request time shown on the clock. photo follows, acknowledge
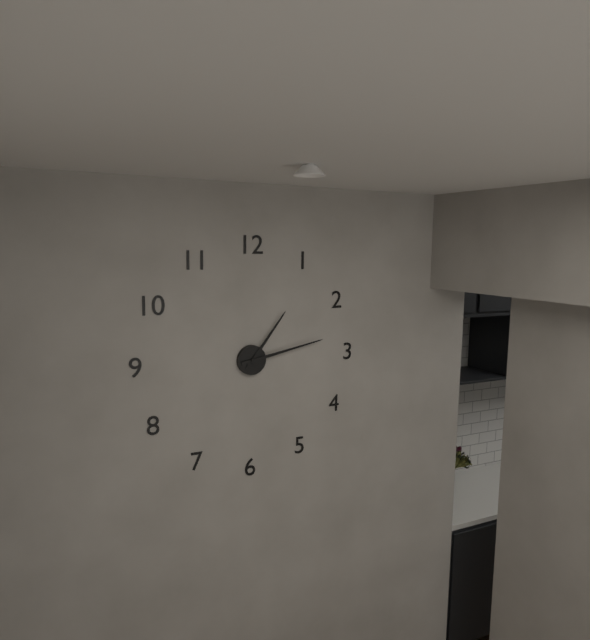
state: 1:13
